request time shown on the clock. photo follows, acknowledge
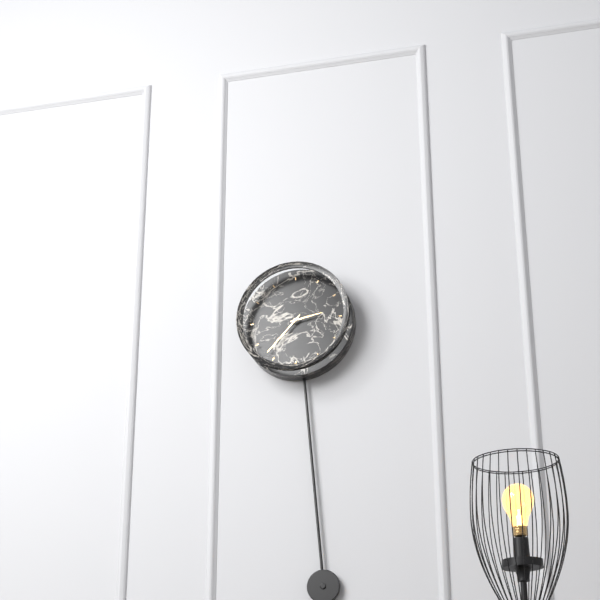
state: 2:37
